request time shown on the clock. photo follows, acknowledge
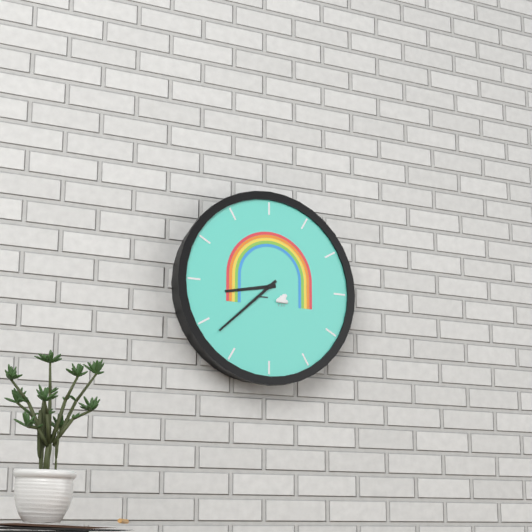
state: 8:38
